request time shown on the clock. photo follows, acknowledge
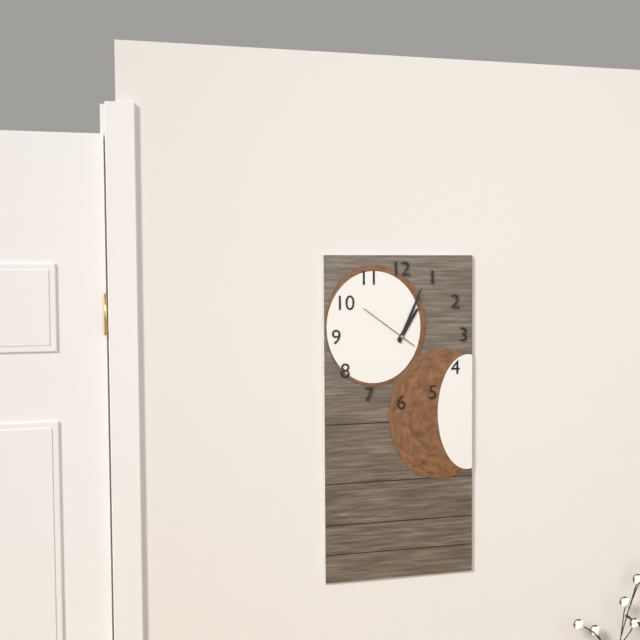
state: 1:04:51
